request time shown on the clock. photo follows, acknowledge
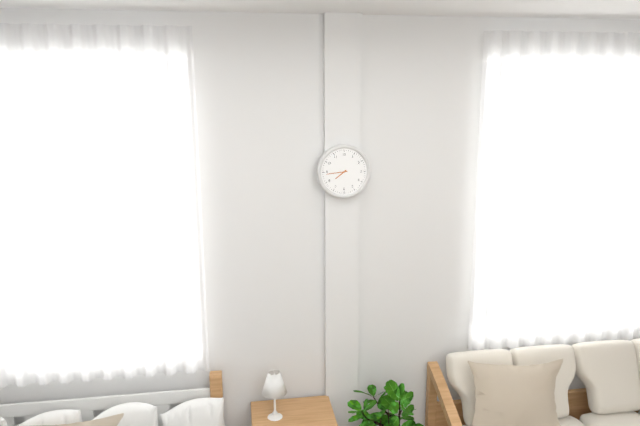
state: 7:44
